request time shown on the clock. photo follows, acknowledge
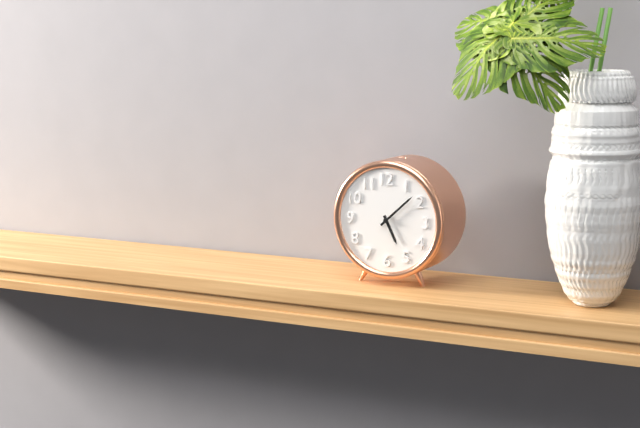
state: 5:08
